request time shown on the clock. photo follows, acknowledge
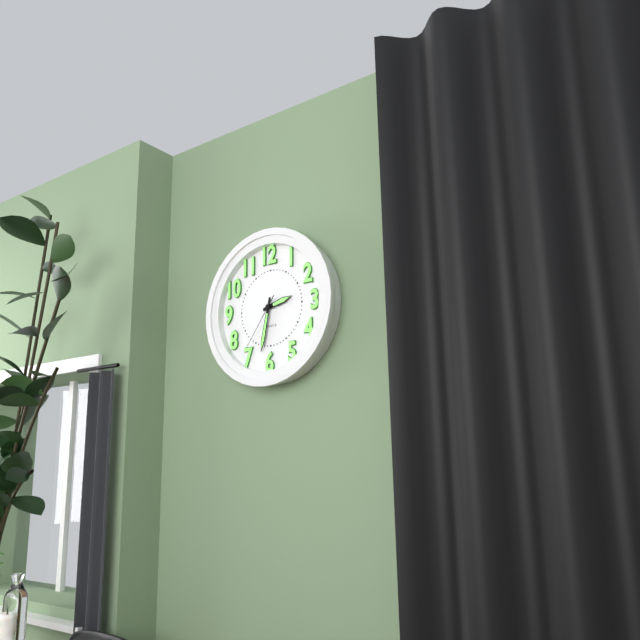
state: 2:32:36
